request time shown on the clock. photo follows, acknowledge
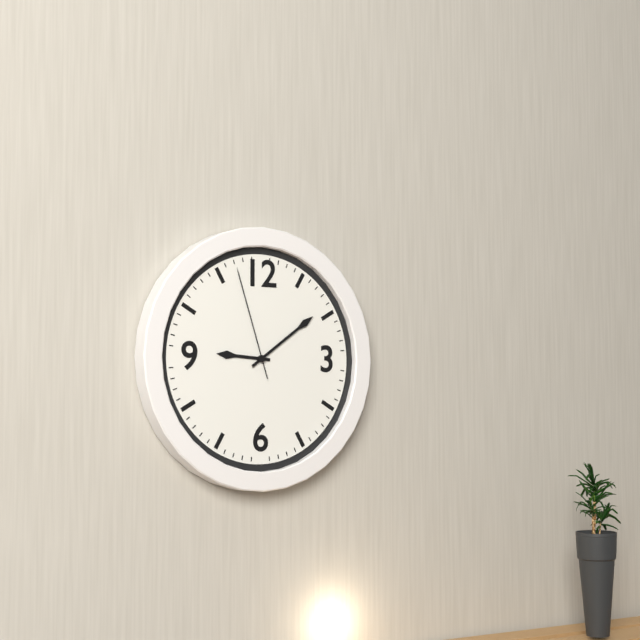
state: 9:09:57
